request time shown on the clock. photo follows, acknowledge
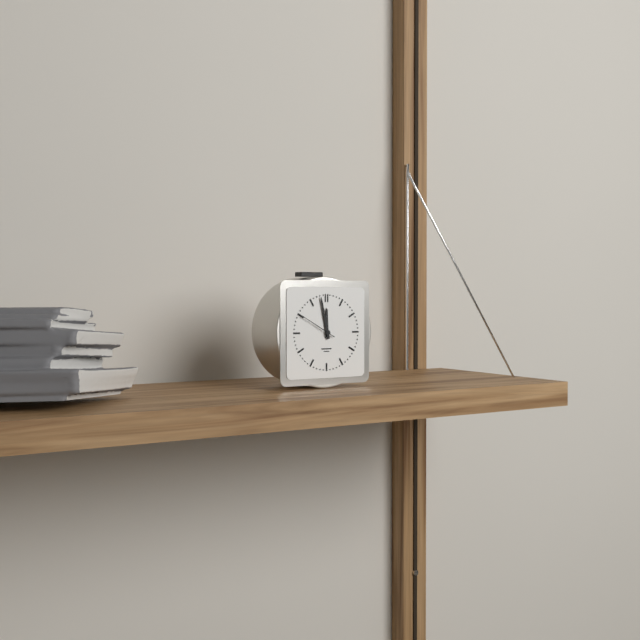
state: 11:58
